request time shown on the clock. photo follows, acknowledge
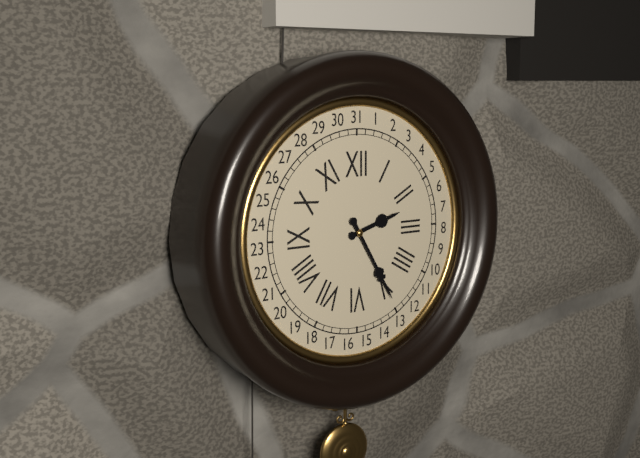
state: 2:25
